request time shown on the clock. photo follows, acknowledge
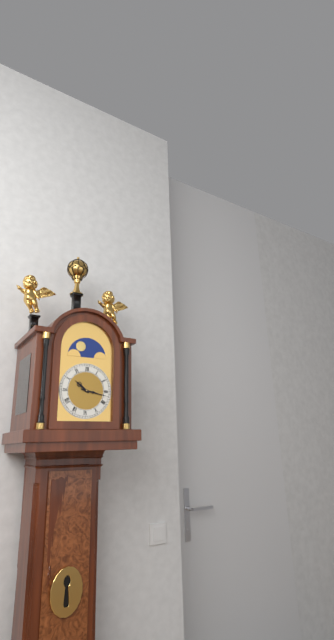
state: 10:17
